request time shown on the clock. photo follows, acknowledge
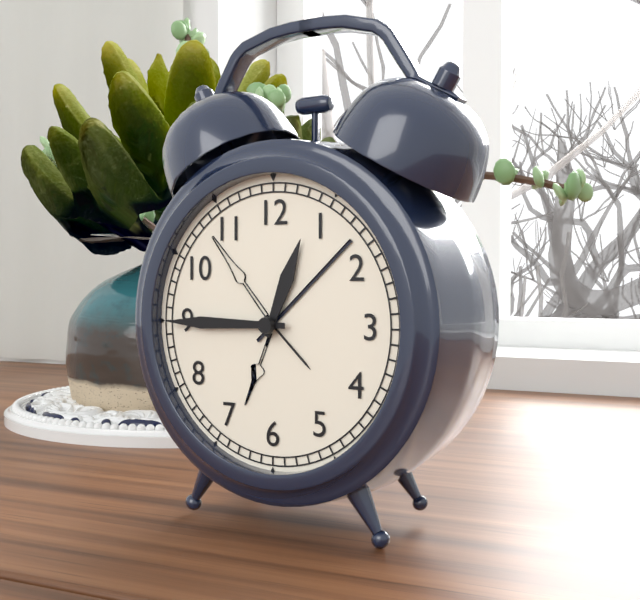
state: 12:45
